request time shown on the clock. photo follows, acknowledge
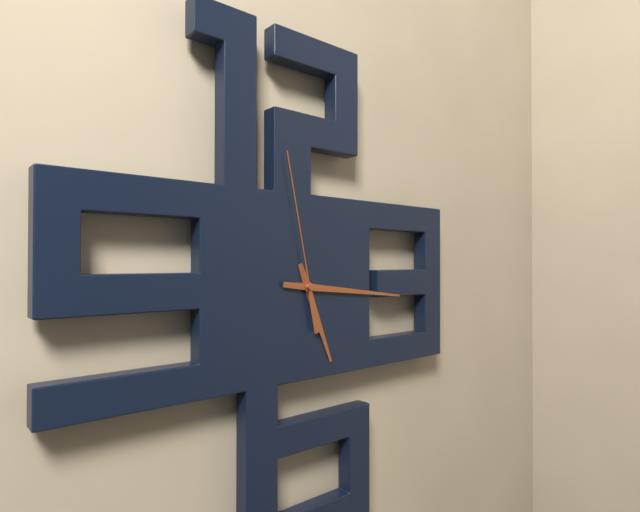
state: 5:16:58
